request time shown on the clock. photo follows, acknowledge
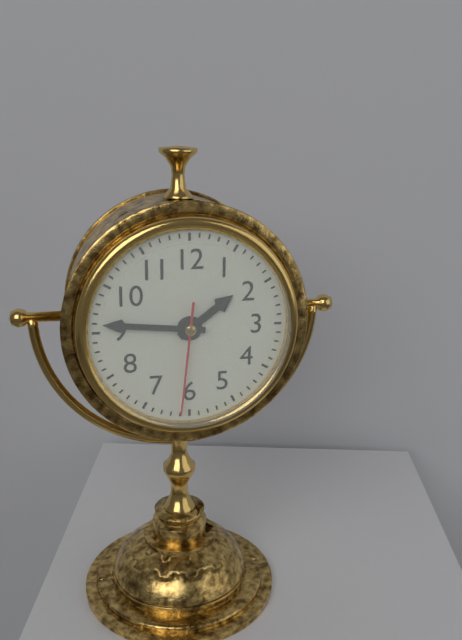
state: 1:46:31
